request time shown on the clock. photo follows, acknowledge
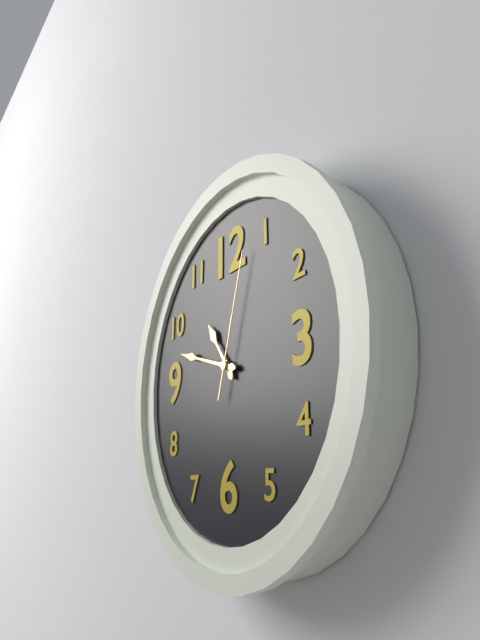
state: 10:48:03
